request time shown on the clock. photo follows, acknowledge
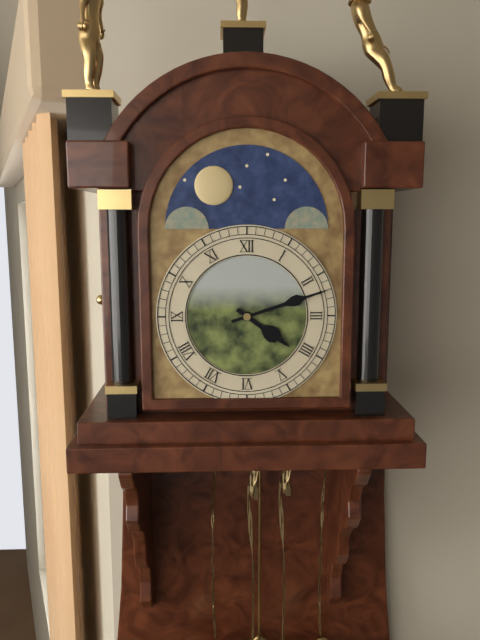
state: 4:12
